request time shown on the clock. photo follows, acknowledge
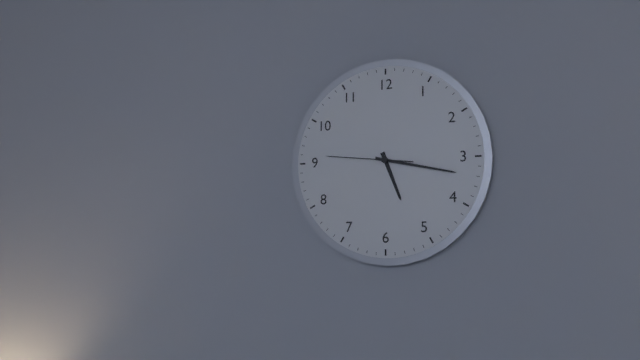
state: 5:17:46
